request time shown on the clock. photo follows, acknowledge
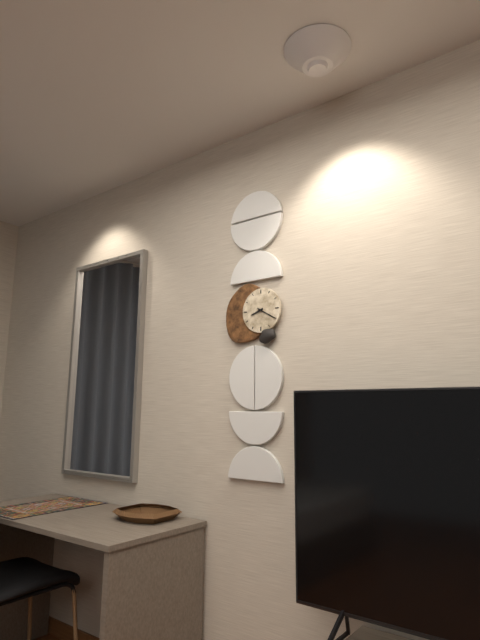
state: 8:20
